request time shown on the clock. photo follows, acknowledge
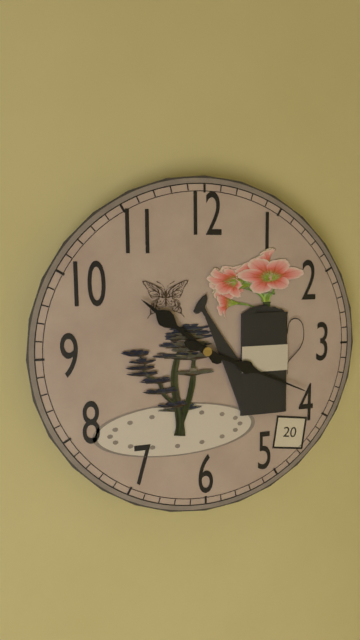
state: 10:19
